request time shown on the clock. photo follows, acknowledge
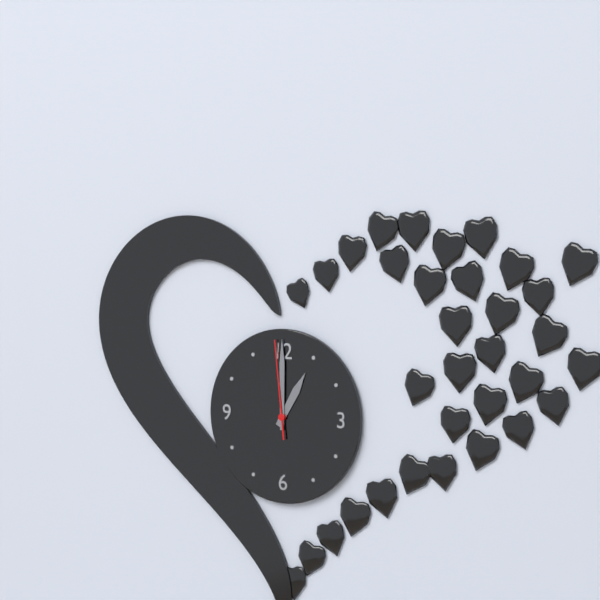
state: 1:00:59
